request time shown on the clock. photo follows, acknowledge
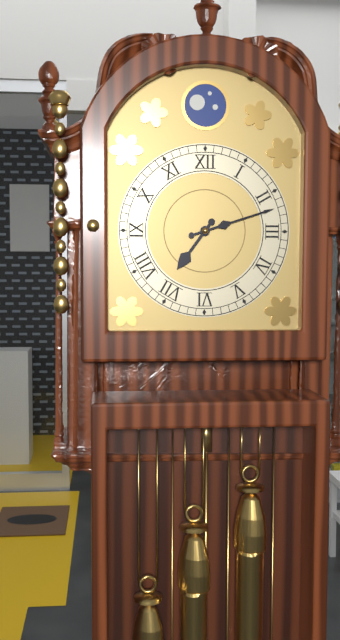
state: 7:12
